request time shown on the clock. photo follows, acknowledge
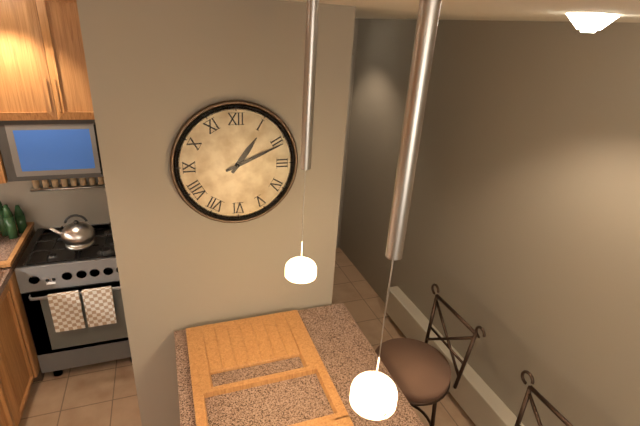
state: 1:11
